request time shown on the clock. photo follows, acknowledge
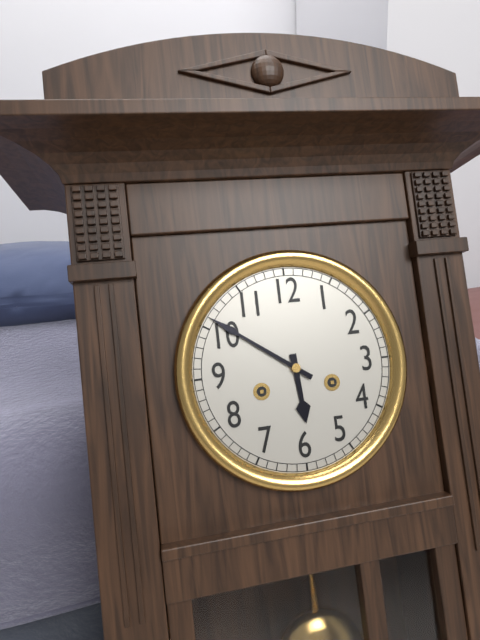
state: 5:51
